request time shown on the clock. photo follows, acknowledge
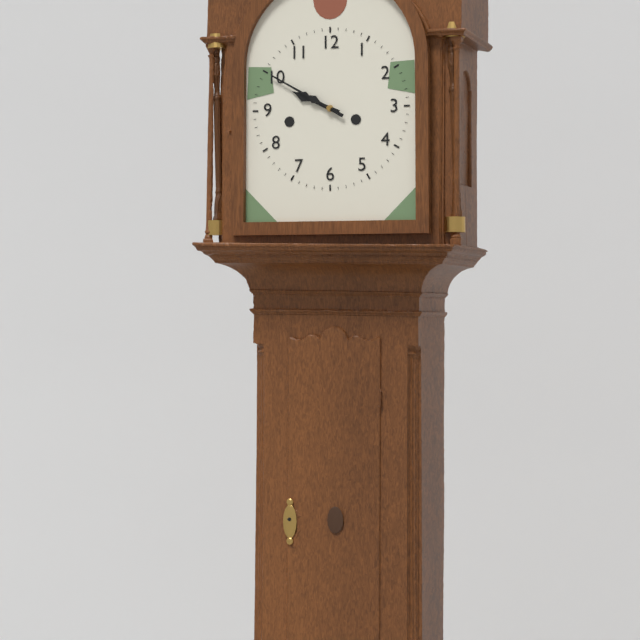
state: 9:50
